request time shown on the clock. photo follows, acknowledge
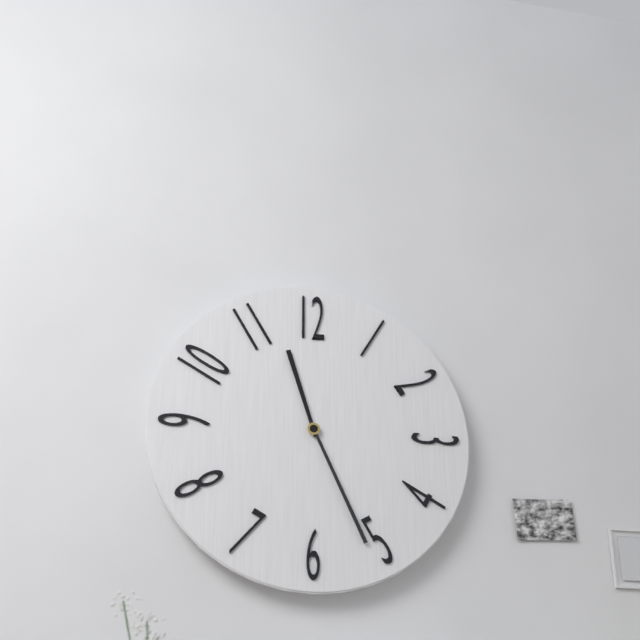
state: 11:26
